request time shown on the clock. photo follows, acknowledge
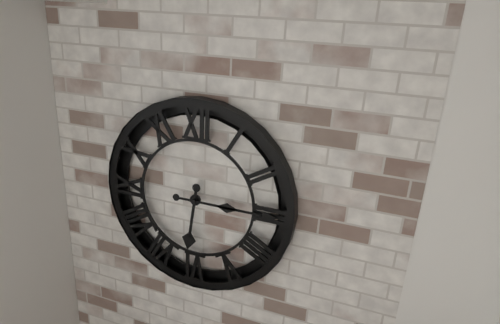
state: 6:15
